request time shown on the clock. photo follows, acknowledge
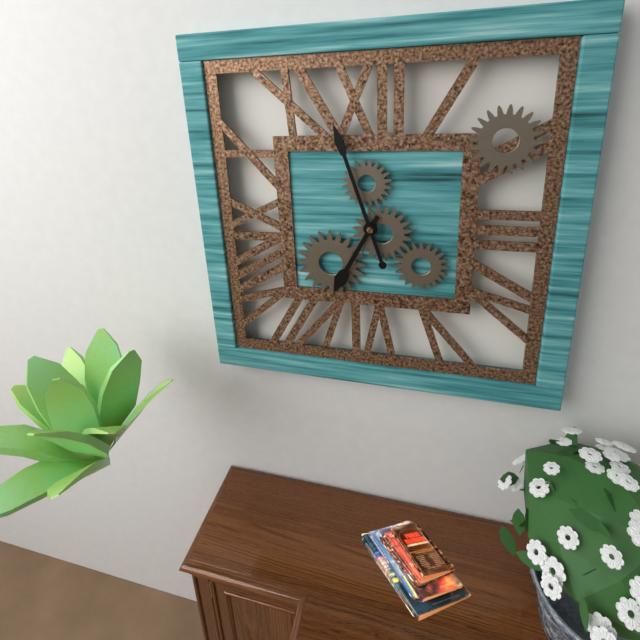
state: 6:57
